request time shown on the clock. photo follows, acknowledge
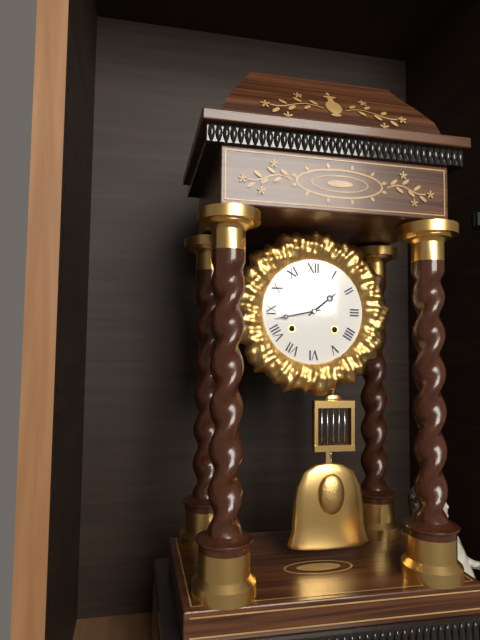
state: 1:43
